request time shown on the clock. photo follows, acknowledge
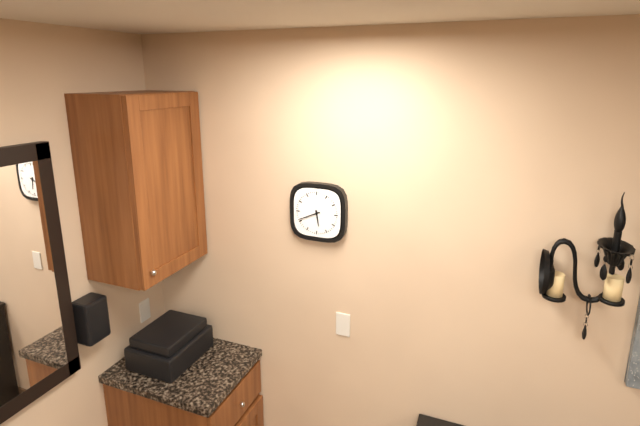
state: 5:41
